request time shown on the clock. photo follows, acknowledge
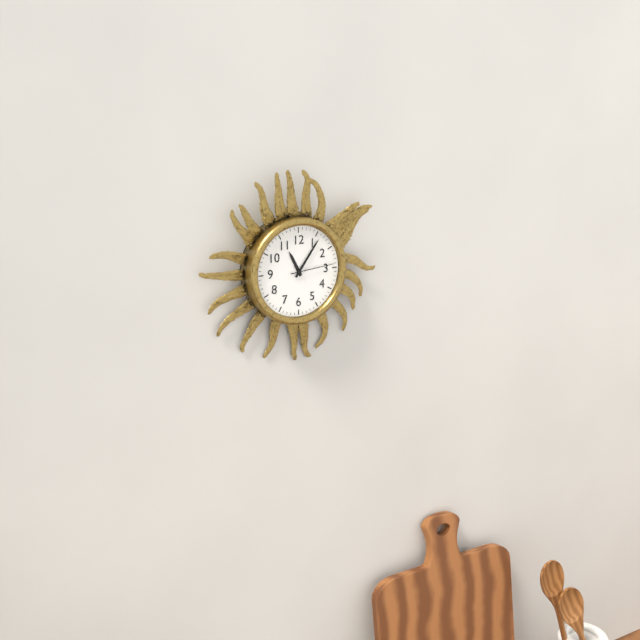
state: 11:06
